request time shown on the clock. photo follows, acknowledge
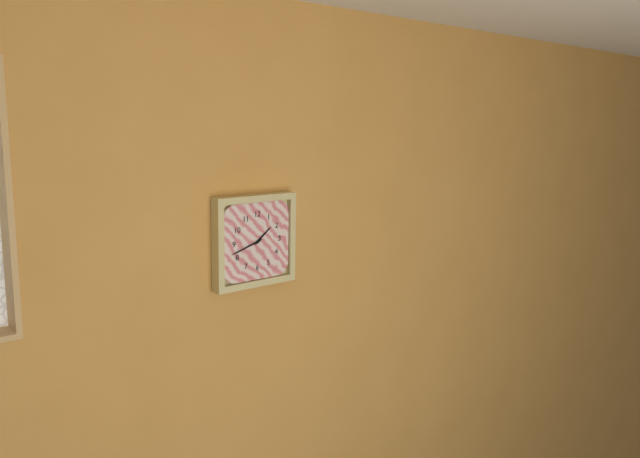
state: 1:42
